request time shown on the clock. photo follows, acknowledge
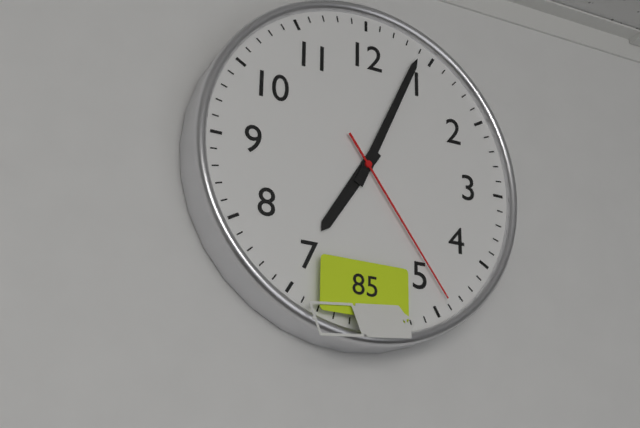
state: 7:04:24
